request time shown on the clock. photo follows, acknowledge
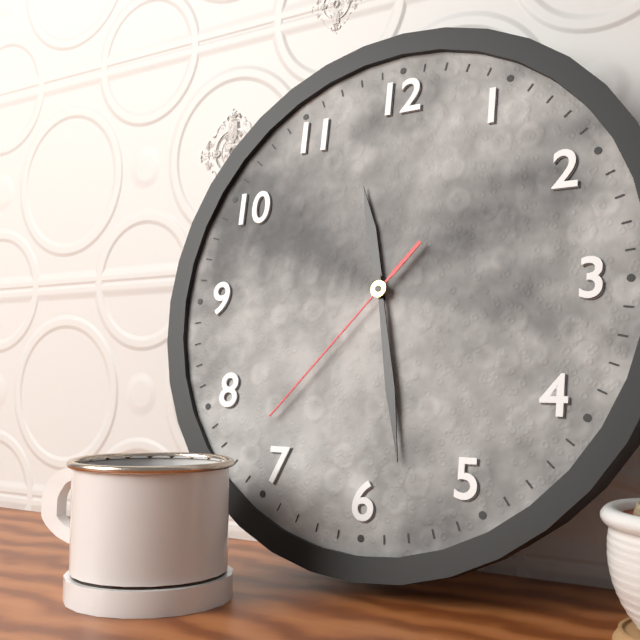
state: 11:28:37
